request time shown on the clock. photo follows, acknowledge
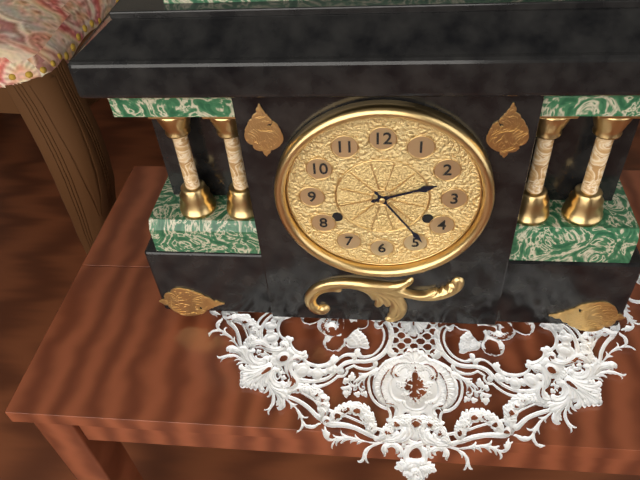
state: 2:24
